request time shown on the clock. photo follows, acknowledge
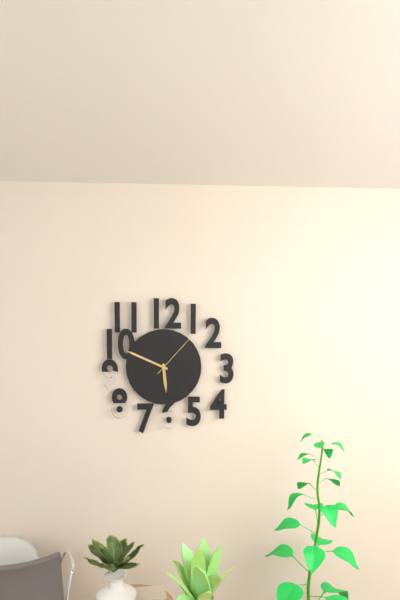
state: 5:49:07
